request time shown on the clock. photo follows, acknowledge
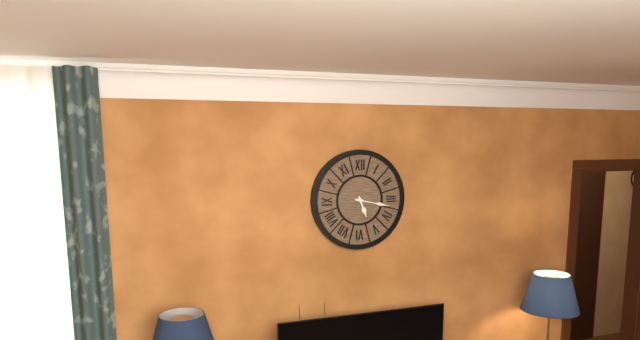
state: 5:17
